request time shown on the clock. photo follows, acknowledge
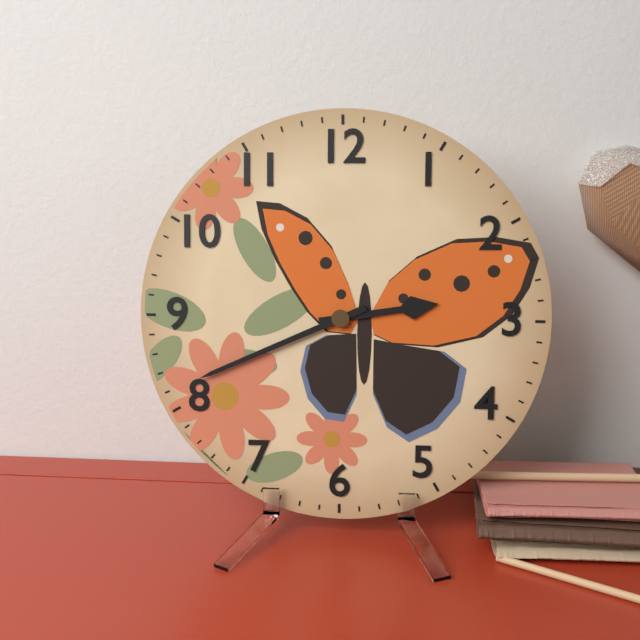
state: 2:41
